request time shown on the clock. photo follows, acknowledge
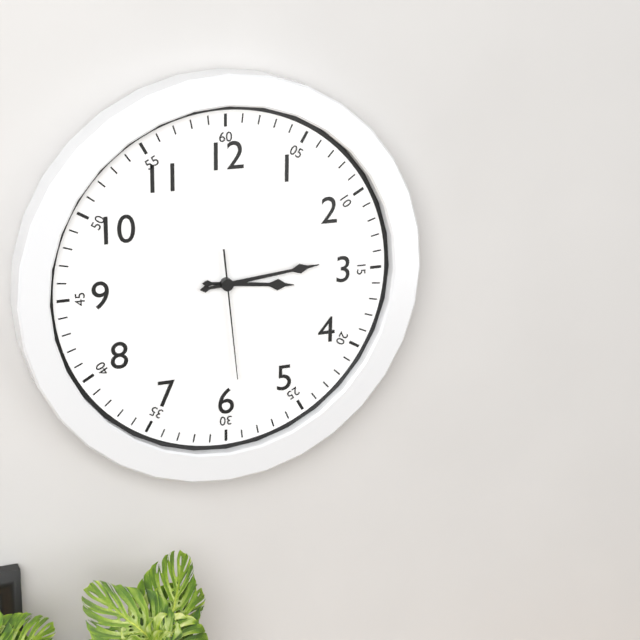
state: 3:14:29
